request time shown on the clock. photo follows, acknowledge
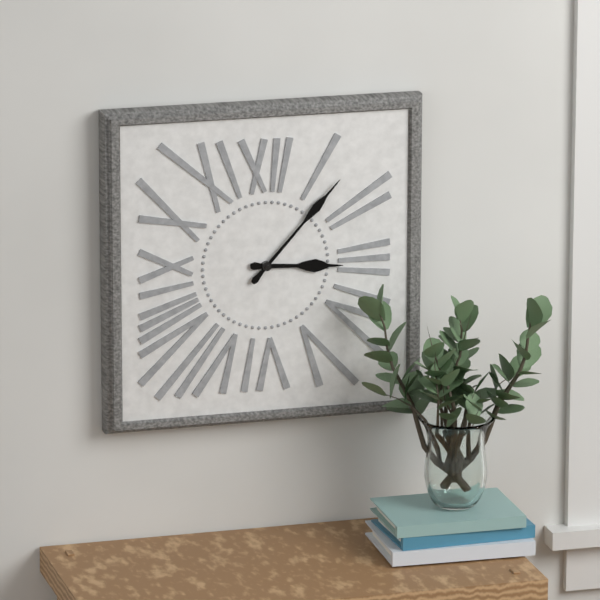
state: 3:07
